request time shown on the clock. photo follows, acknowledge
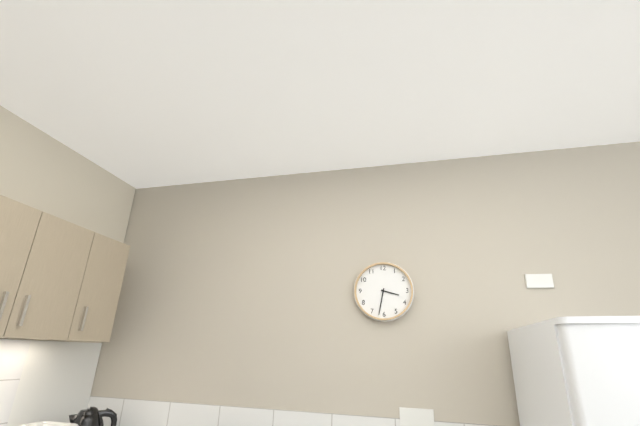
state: 3:32
